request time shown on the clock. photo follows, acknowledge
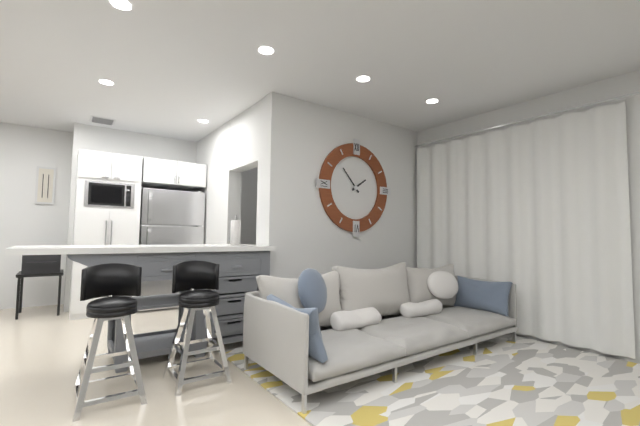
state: 1:53
